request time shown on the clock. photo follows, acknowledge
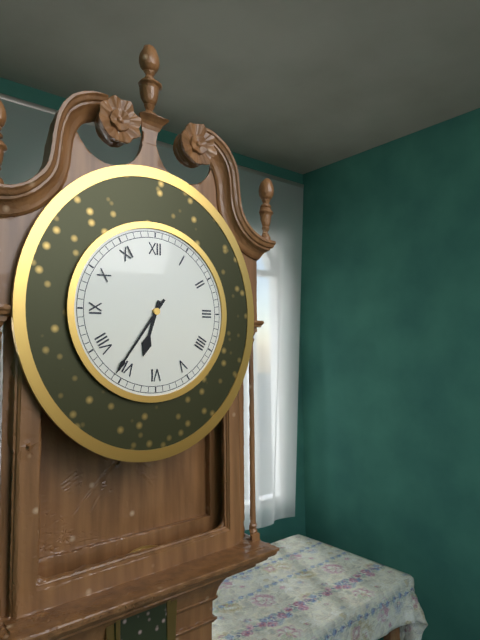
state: 6:36
